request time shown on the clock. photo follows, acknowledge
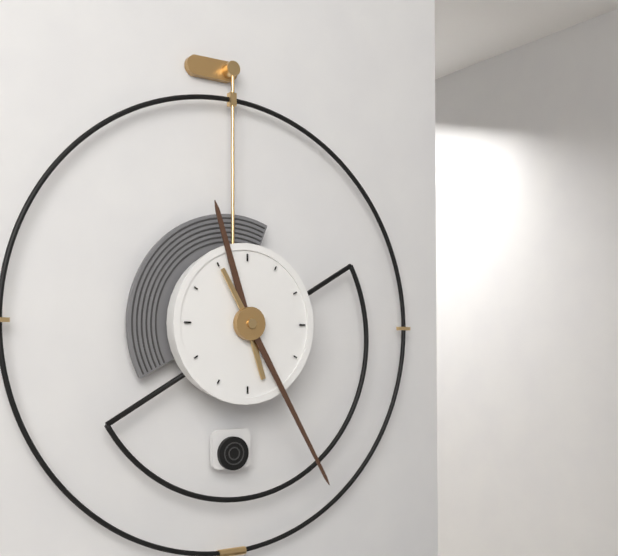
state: 11:25
